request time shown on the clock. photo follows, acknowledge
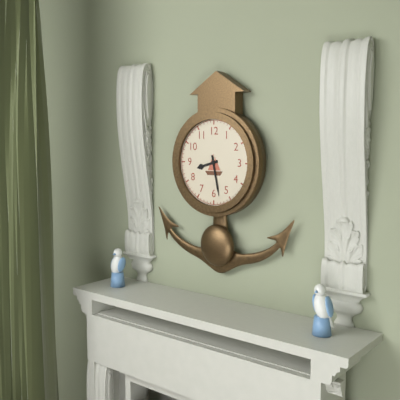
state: 8:28
